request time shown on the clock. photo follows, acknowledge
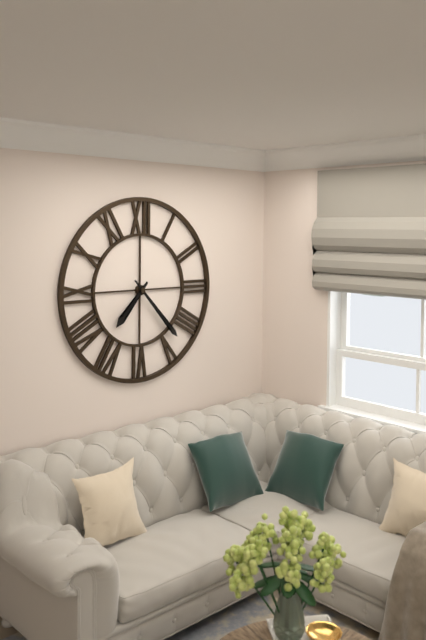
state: 7:23
